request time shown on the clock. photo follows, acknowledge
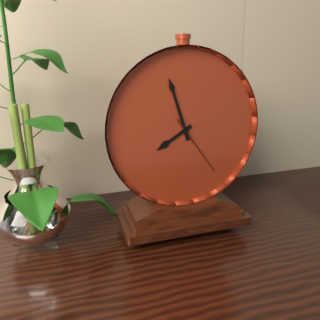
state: 7:57:24
